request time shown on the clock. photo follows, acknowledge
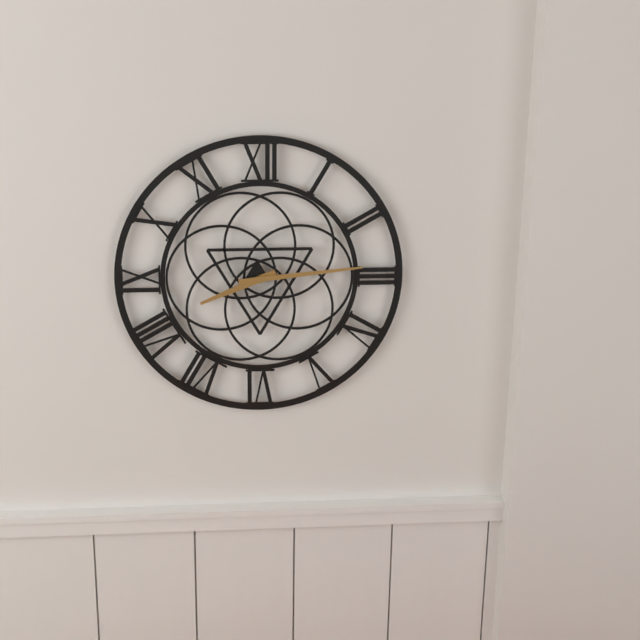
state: 8:14
